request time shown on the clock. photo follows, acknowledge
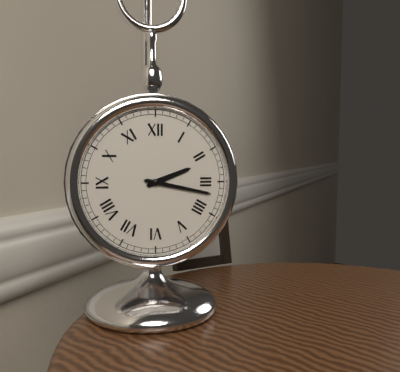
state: 2:17
